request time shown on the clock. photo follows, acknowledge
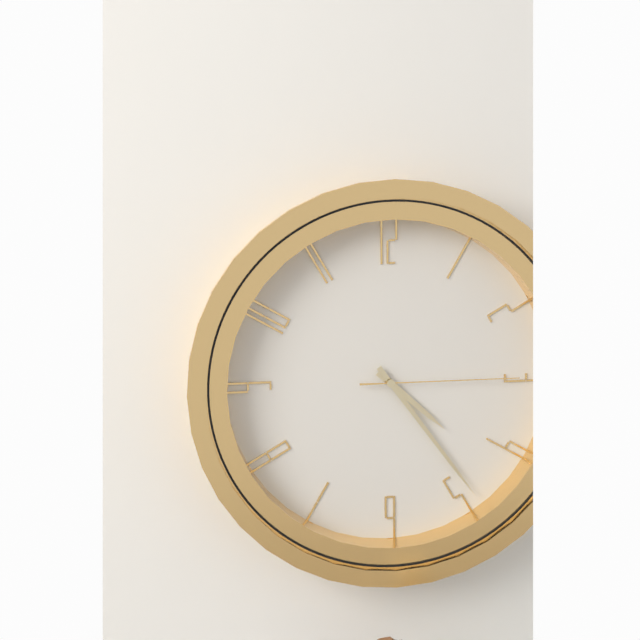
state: 4:24:15
